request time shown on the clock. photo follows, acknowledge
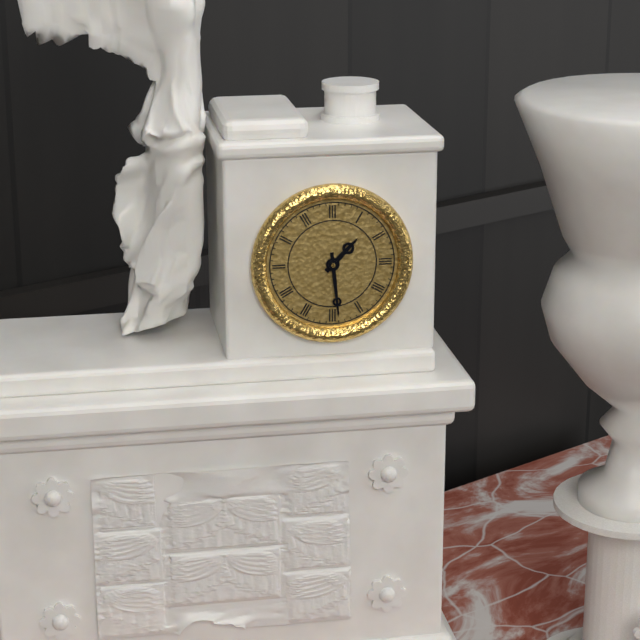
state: 1:29
